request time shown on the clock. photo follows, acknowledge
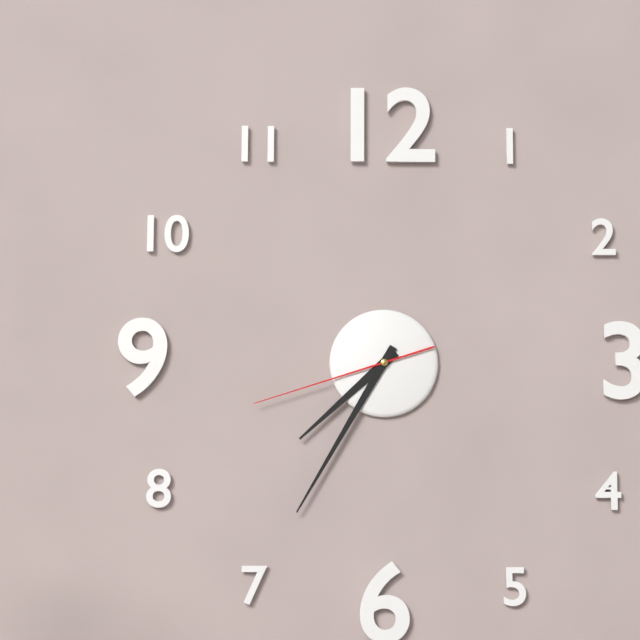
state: 7:35:42
